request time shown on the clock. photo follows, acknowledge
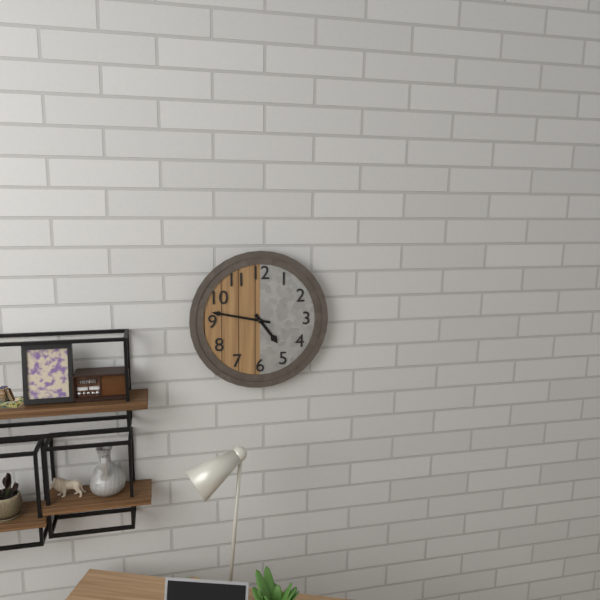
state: 4:47
